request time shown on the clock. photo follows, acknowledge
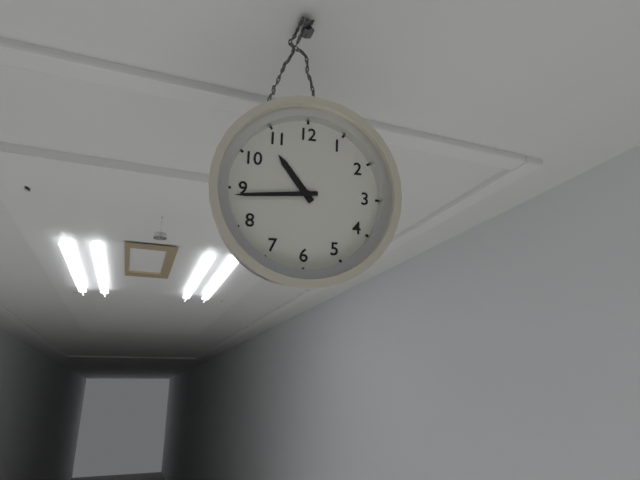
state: 10:44
